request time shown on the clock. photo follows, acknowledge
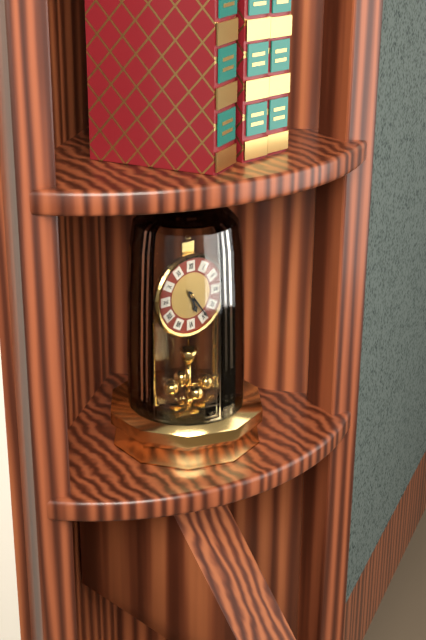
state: 5:24
